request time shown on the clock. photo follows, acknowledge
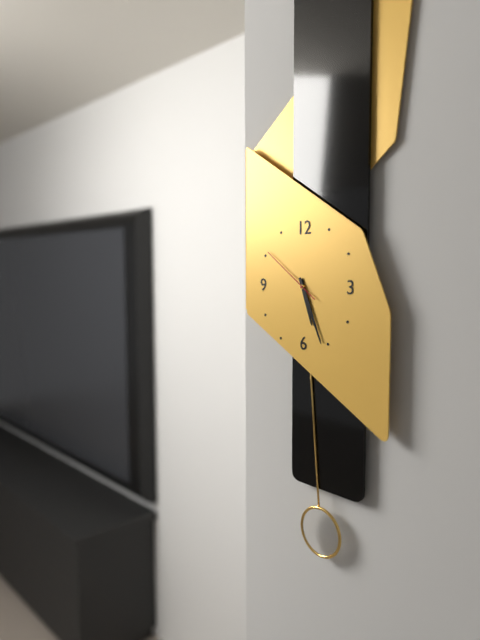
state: 5:26:51
